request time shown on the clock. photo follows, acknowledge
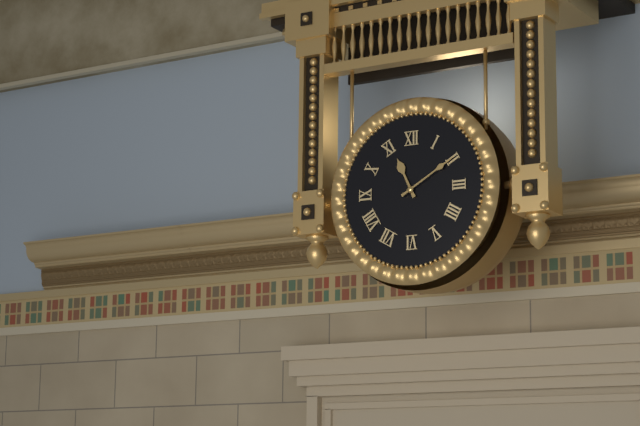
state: 11:10
